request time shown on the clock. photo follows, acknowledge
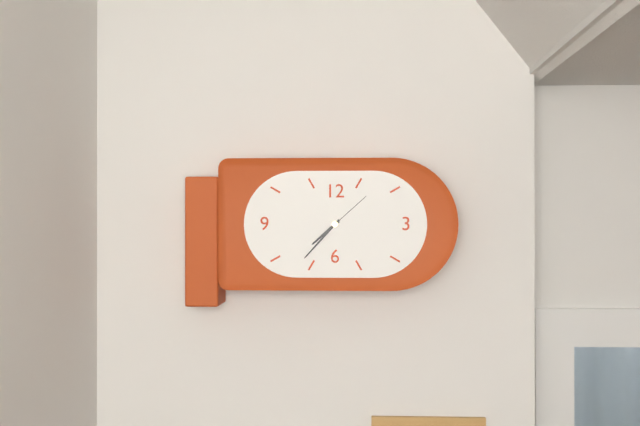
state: 7:37:08
